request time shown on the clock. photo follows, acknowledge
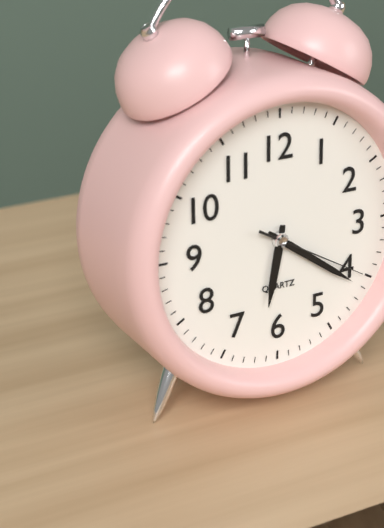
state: 6:21:20
